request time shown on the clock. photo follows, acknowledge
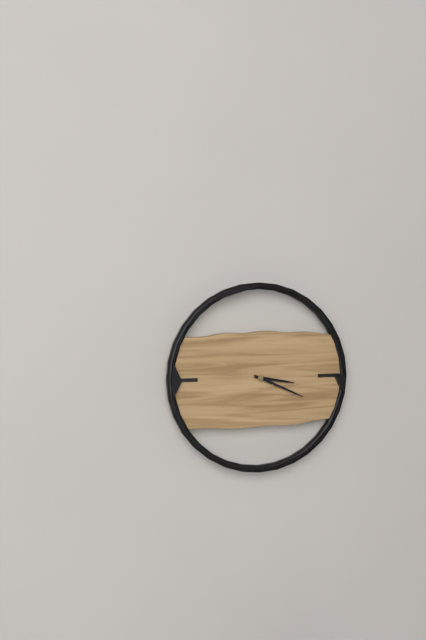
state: 3:19
